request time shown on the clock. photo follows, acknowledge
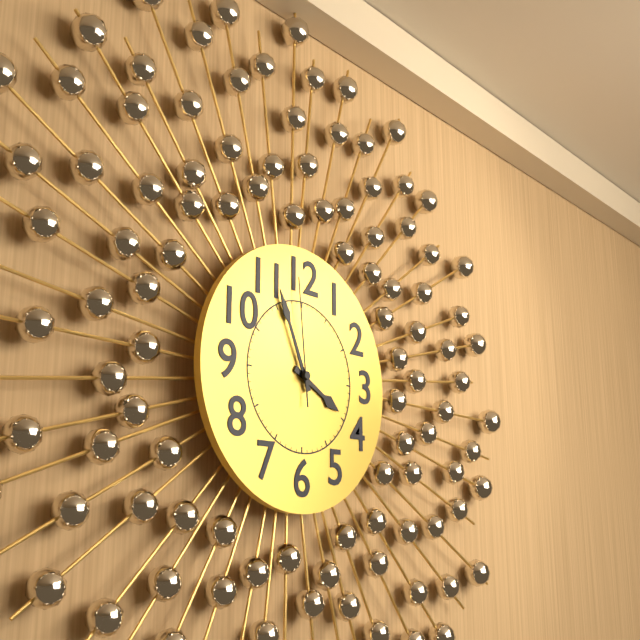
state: 3:56:59
